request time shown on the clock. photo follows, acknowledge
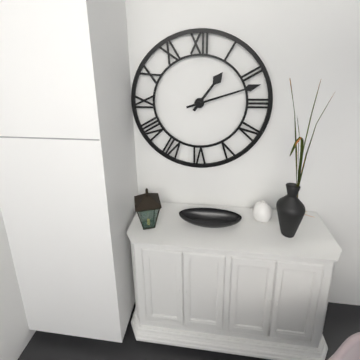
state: 1:12
